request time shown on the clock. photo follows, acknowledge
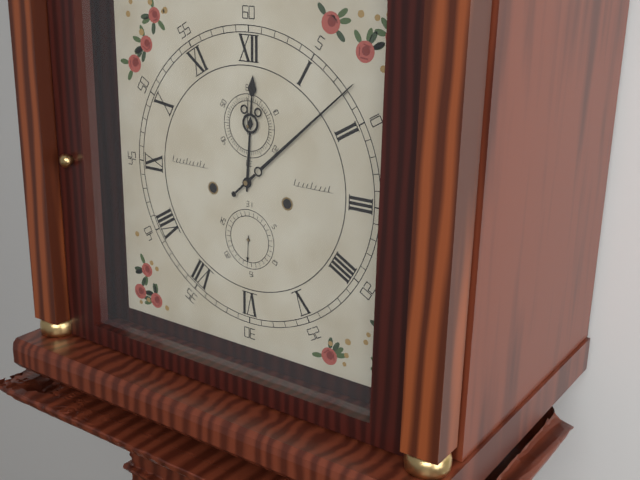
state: 12:08
